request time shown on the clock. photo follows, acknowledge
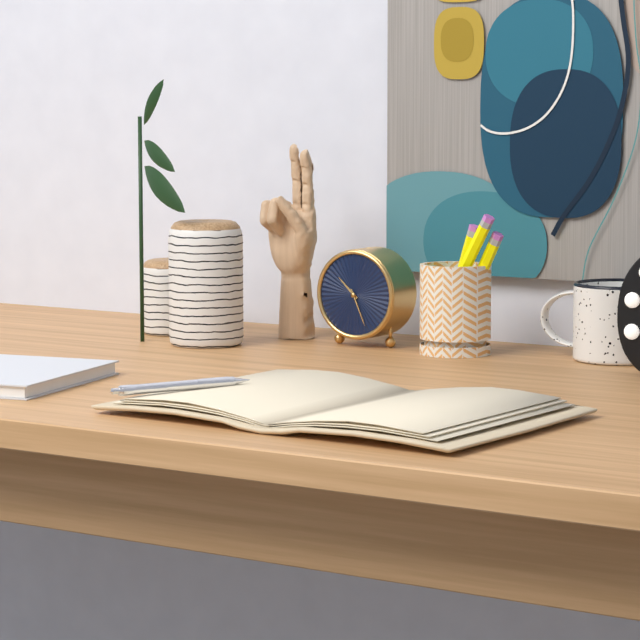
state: 10:26
